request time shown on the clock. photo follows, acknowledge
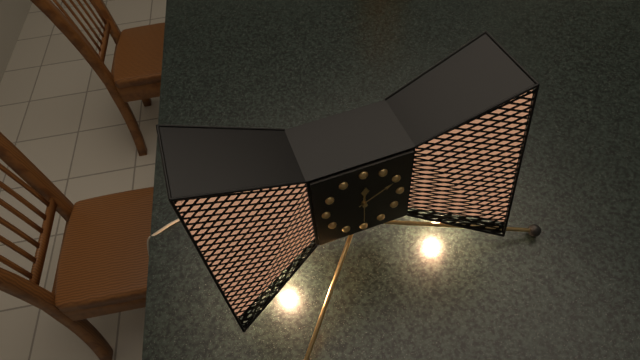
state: 12:10
